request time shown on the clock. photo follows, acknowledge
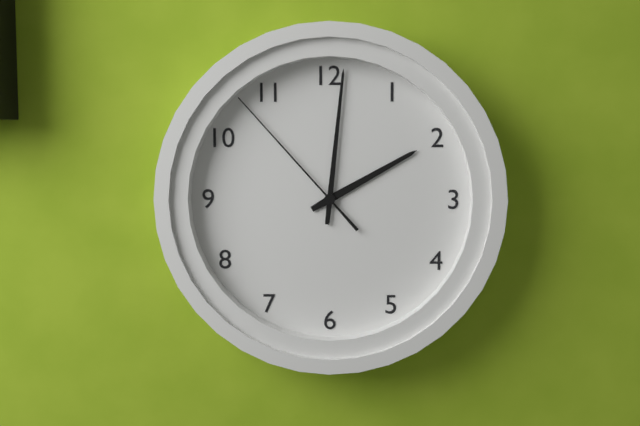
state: 2:01:53
